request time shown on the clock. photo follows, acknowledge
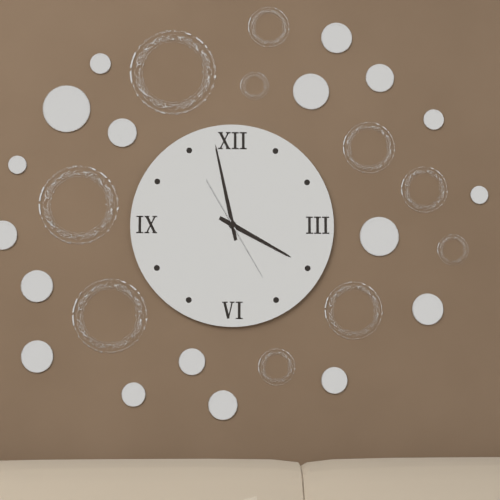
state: 3:58:25
